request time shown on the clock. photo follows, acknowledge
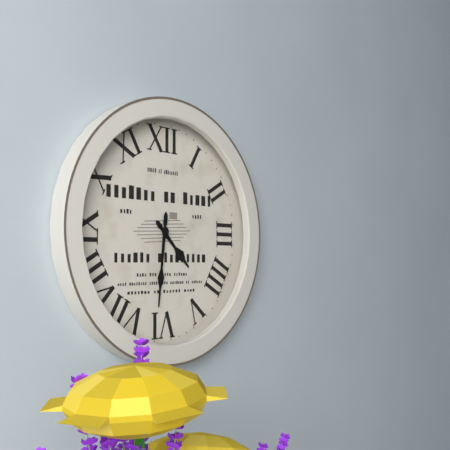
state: 4:31
